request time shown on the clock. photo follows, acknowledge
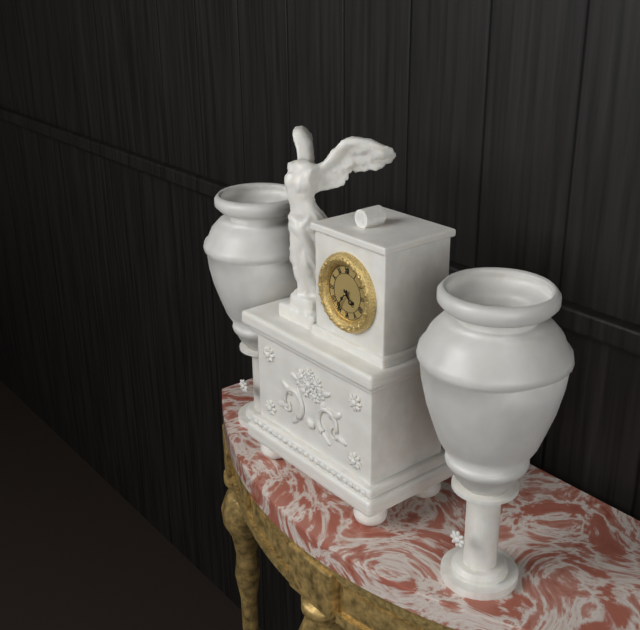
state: 4:36
